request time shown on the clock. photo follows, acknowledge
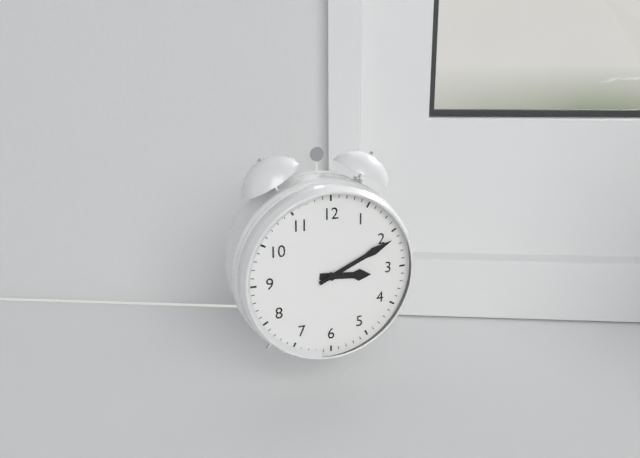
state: 3:11
